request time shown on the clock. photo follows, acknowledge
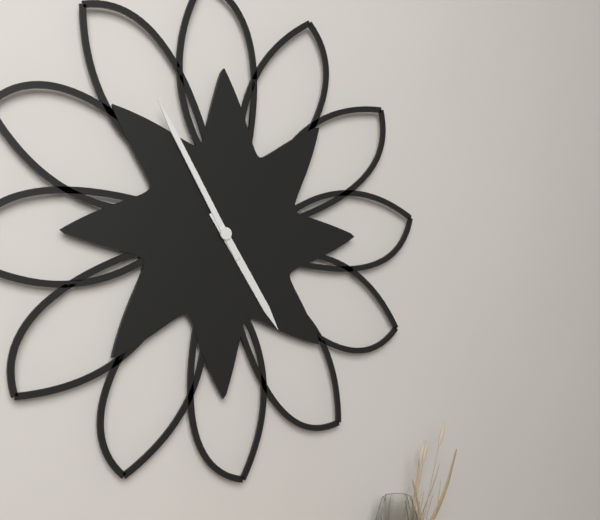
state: 4:55
